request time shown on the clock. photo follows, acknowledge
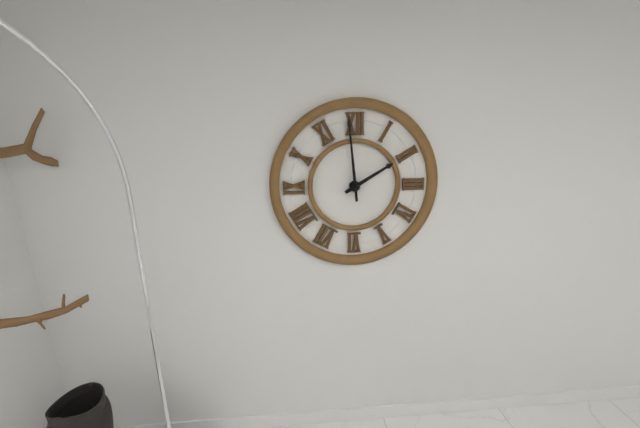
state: 1:59
